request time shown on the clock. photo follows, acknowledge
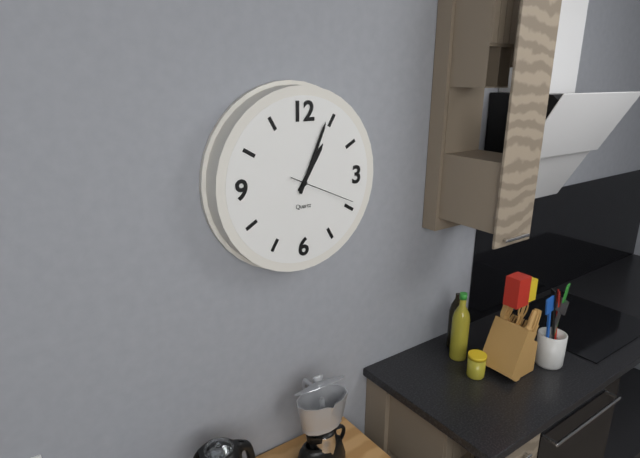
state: 1:04:19
